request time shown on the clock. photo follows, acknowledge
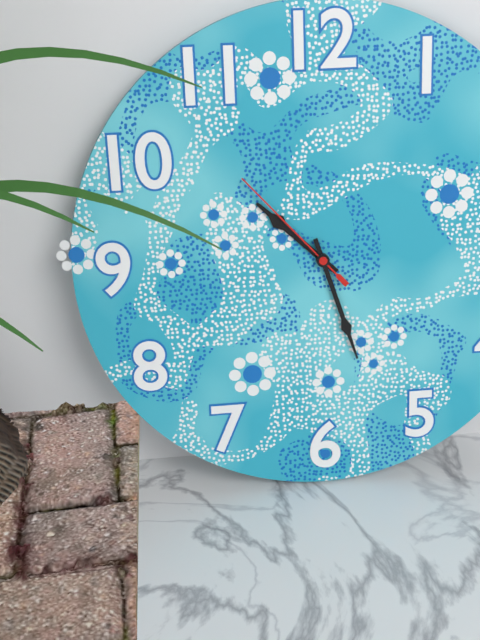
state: 10:27:53
